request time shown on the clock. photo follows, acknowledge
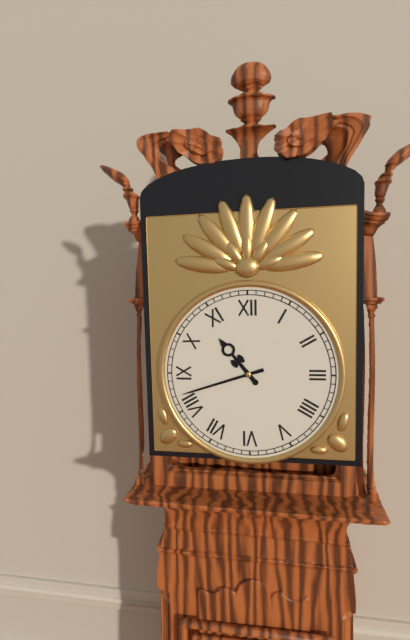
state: 10:42
